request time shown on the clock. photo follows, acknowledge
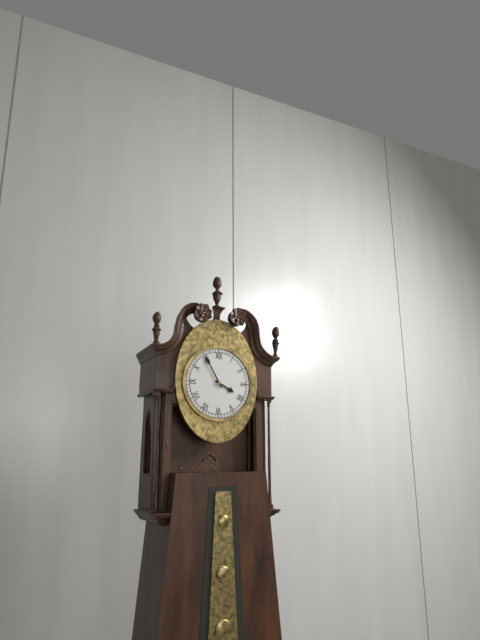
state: 3:55
